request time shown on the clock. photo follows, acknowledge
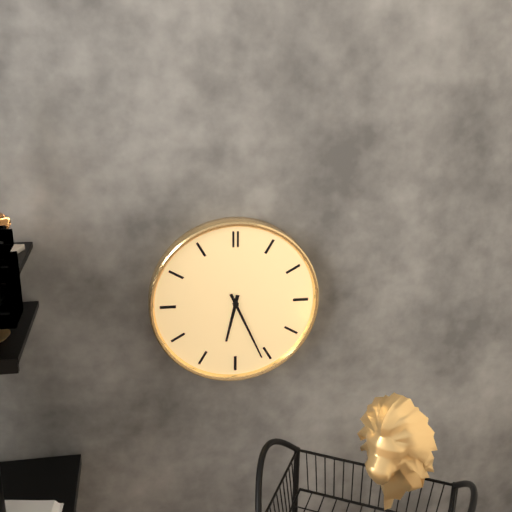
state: 6:26
